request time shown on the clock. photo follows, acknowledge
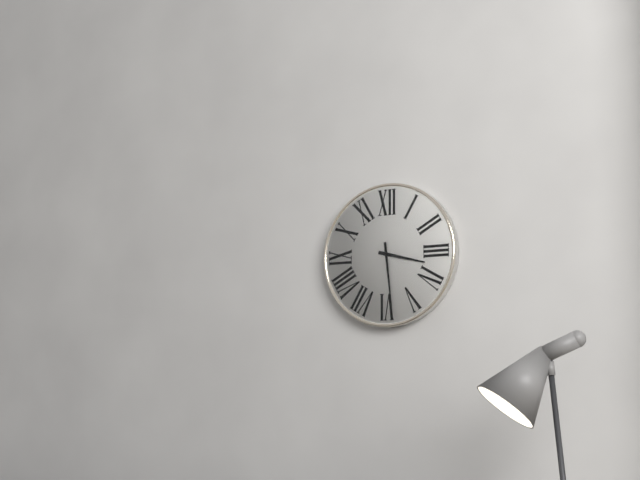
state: 3:29
